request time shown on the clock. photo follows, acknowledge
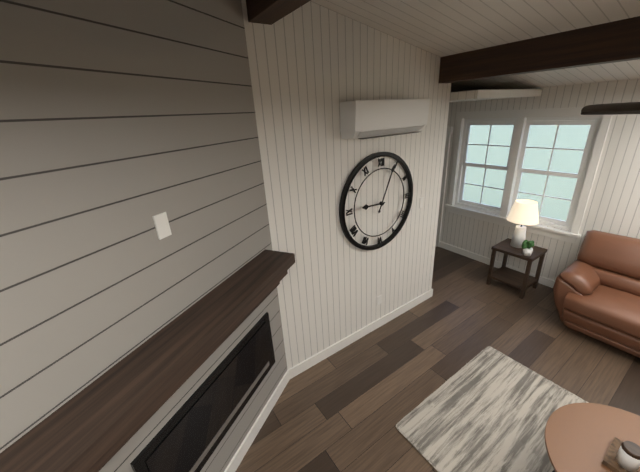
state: 9:04
